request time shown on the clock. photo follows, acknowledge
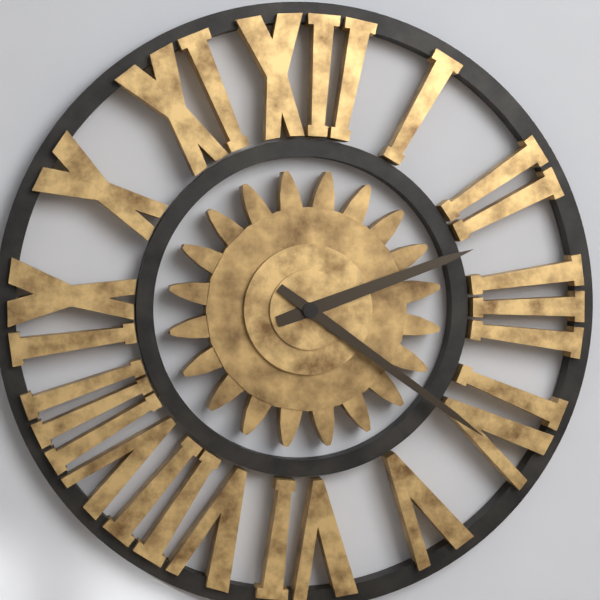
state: 2:21
